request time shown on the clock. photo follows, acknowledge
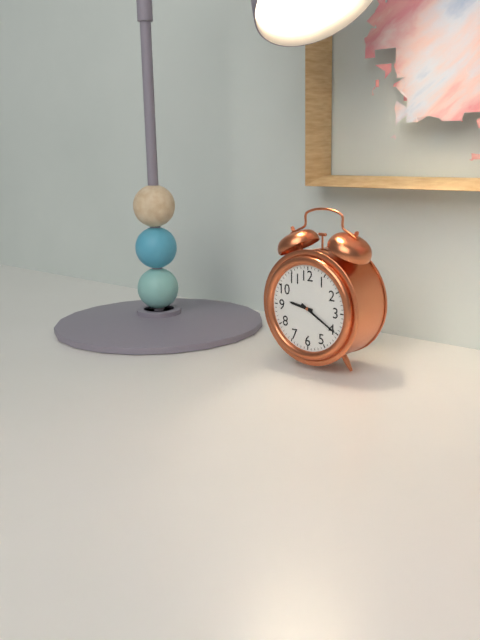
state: 9:20
